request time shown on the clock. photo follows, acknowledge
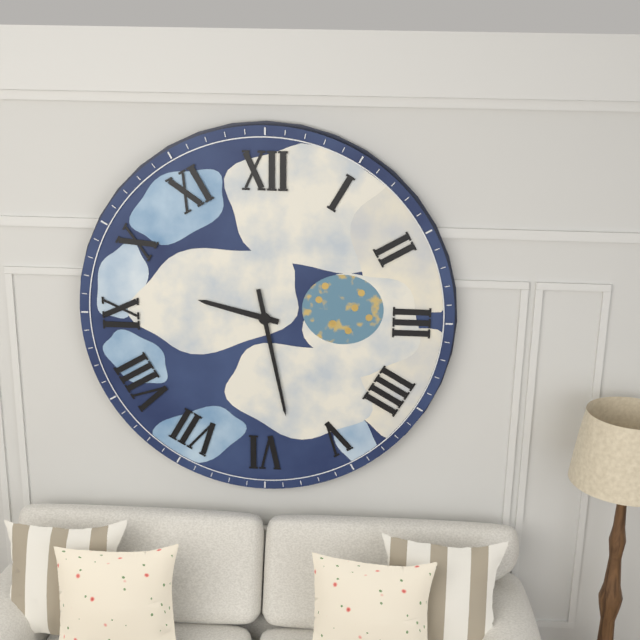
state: 9:28
